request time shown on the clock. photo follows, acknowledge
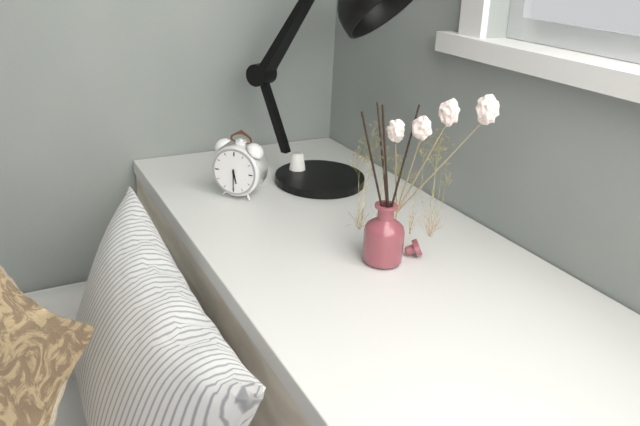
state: 5:30
